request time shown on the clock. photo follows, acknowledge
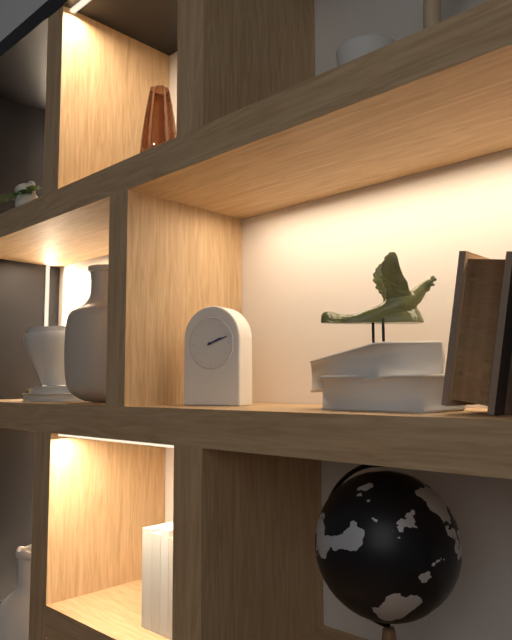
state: 2:12
